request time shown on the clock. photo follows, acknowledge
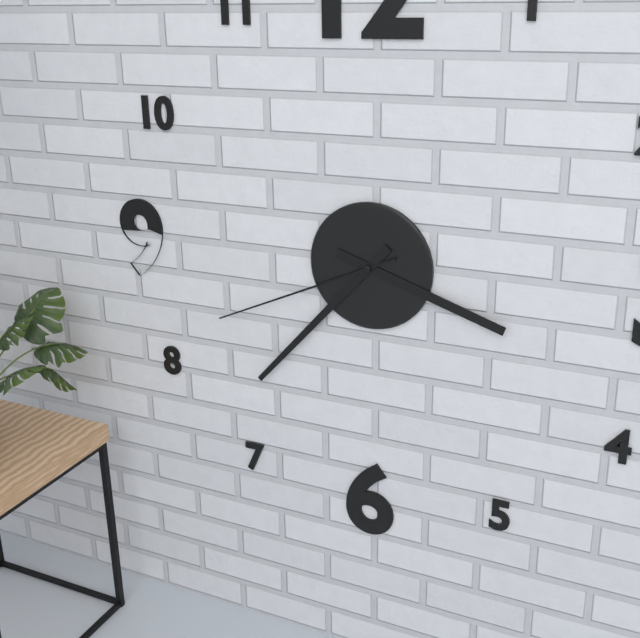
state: 3:37:41
